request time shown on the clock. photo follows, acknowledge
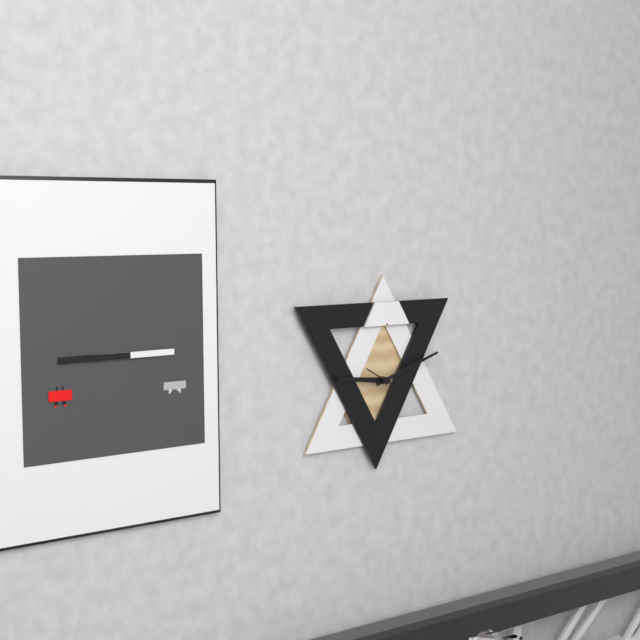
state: 9:12
